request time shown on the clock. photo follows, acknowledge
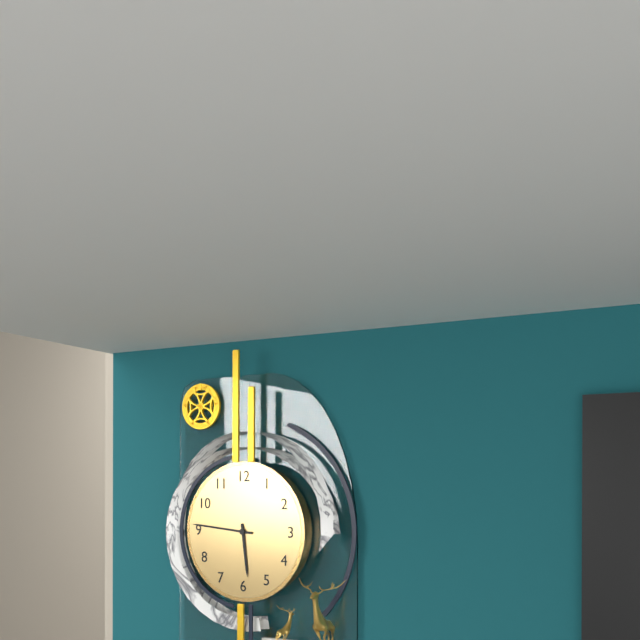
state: 5:46
